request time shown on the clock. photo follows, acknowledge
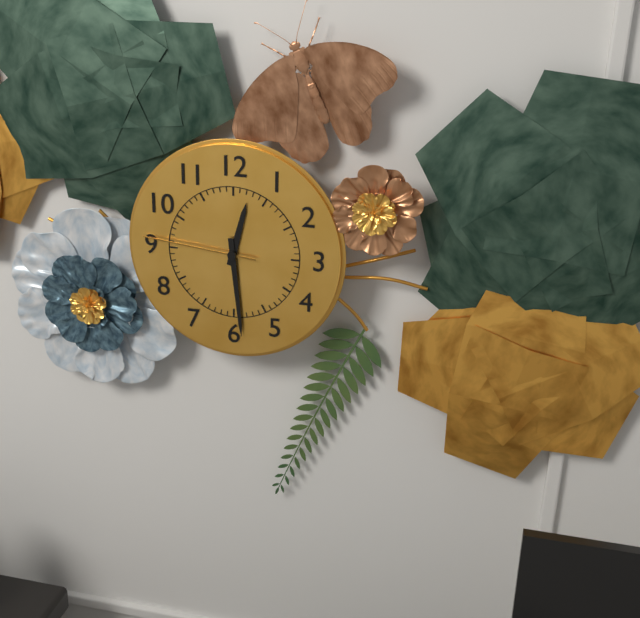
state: 12:29:46
